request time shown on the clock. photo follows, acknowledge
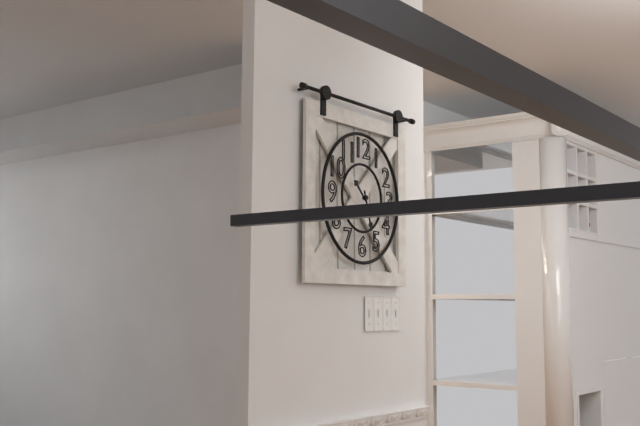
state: 10:27
